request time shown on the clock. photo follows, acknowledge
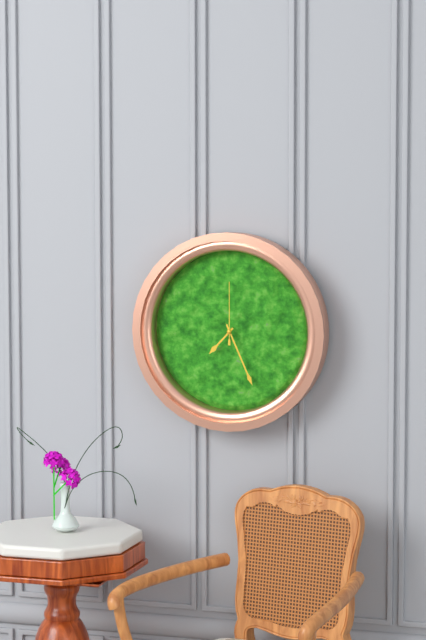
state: 7:26:00
